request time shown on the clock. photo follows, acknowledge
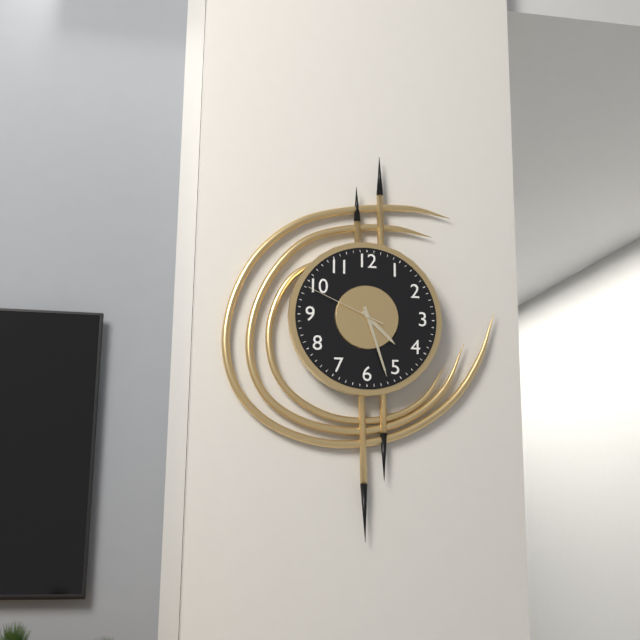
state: 4:27:49
